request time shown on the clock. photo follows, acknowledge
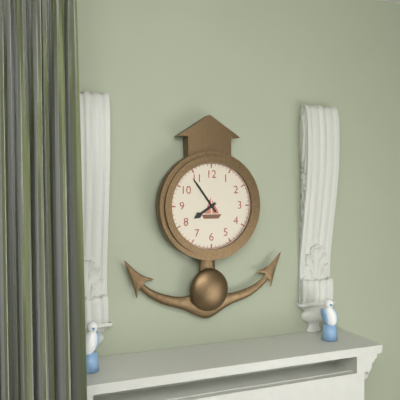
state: 7:54
